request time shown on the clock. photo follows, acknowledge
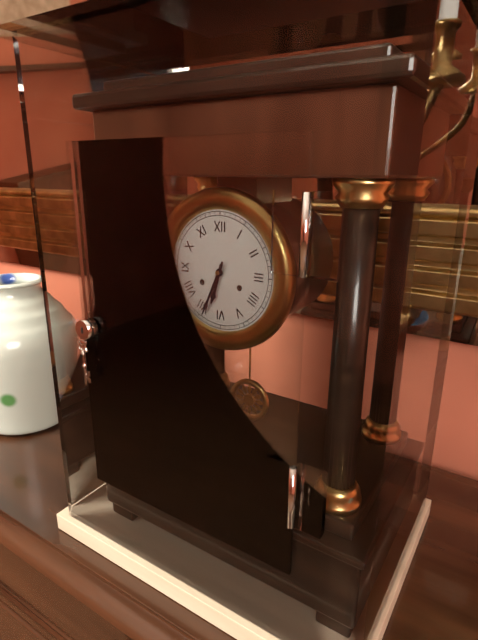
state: 6:34
